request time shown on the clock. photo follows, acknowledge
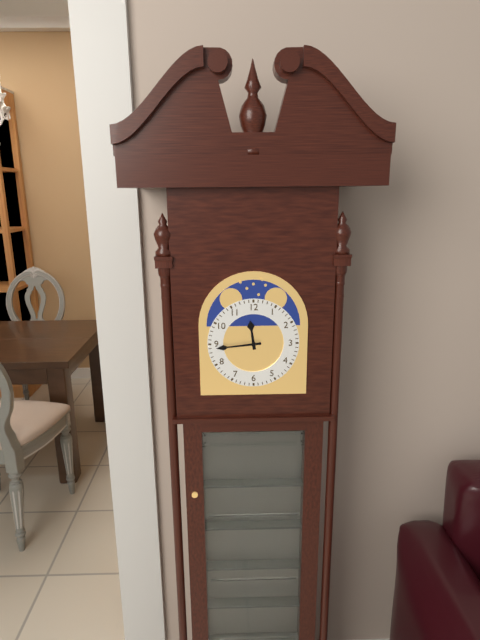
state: 11:44
